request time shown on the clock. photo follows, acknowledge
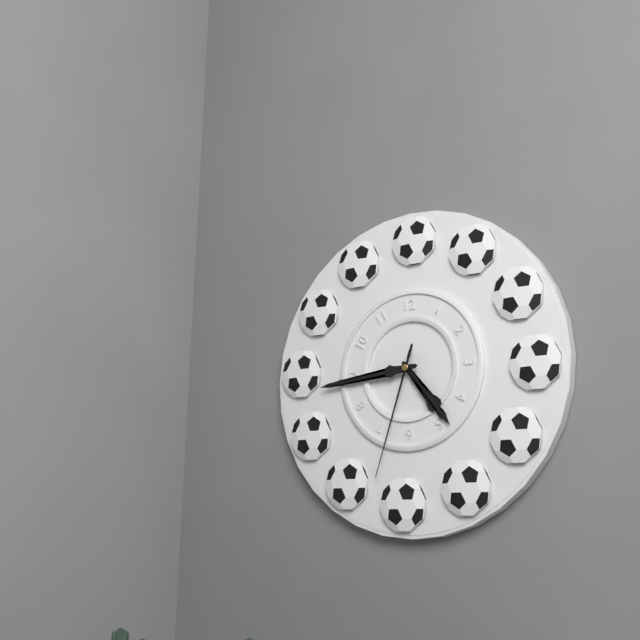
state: 4:44:33
